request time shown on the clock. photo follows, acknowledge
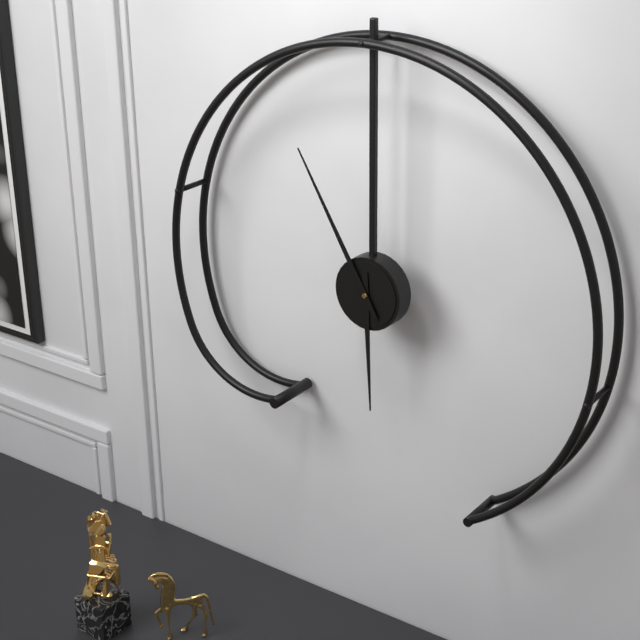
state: 5:55
